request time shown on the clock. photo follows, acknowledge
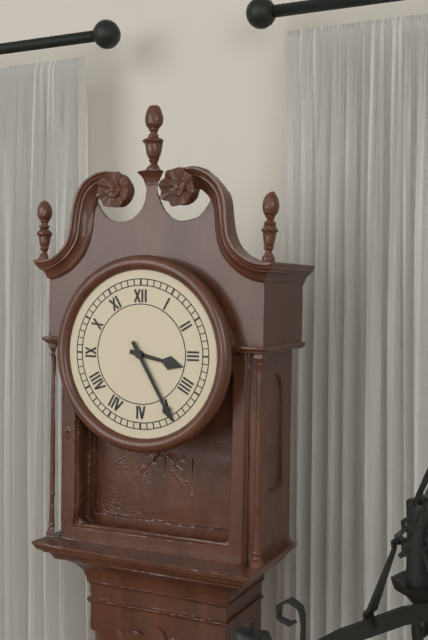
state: 3:25
